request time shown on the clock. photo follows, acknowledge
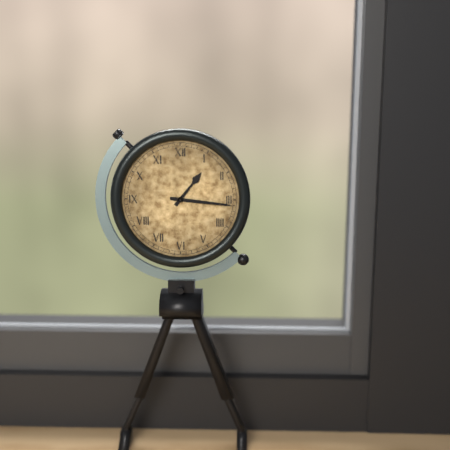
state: 1:16
